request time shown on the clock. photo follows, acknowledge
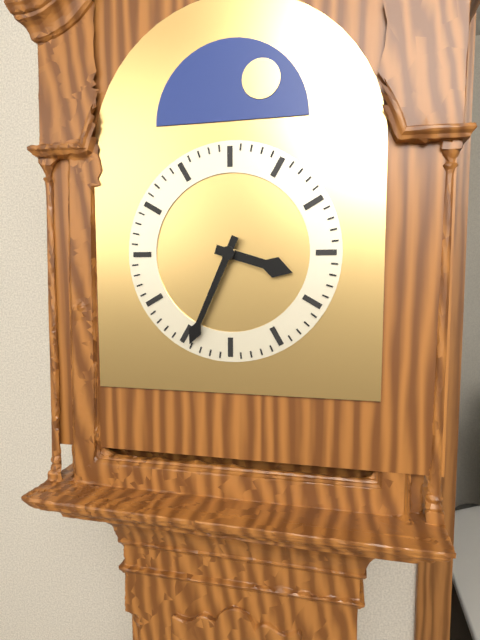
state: 3:34
